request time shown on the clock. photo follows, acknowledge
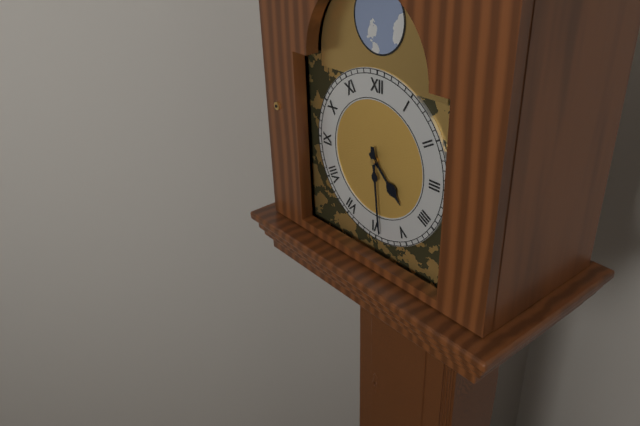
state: 4:29
